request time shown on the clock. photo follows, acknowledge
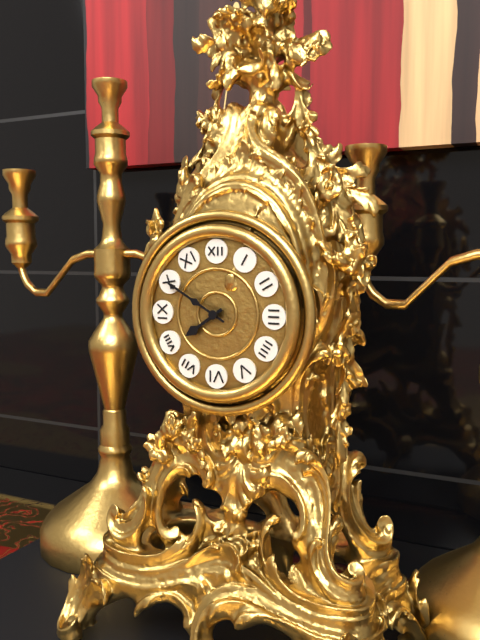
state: 7:50
